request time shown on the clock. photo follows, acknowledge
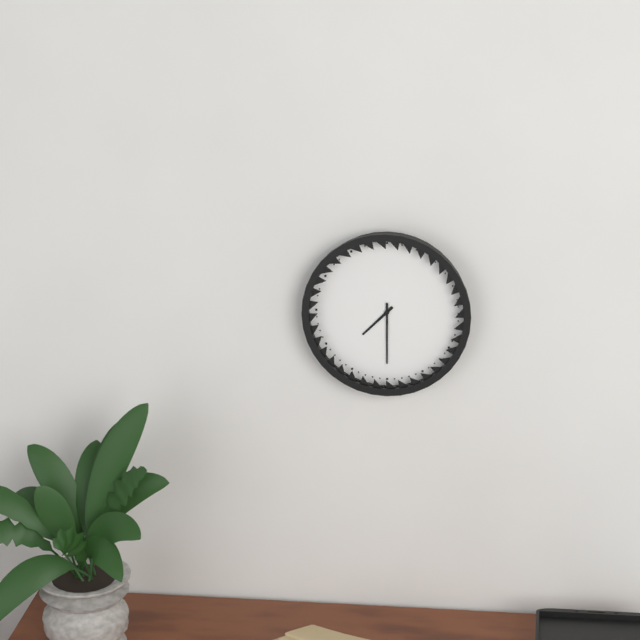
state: 7:30
